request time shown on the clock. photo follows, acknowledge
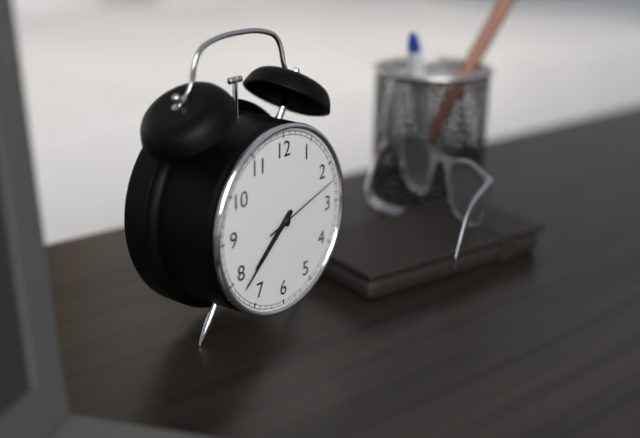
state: 7:38:12
